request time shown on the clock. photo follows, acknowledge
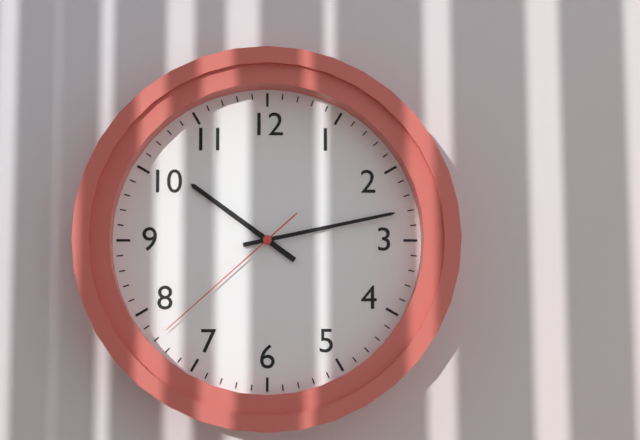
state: 10:13:38
